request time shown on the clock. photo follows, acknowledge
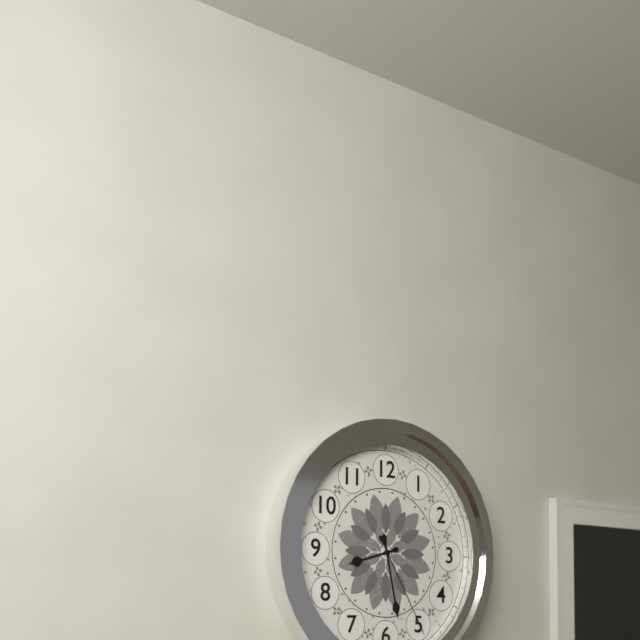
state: 8:28:25
